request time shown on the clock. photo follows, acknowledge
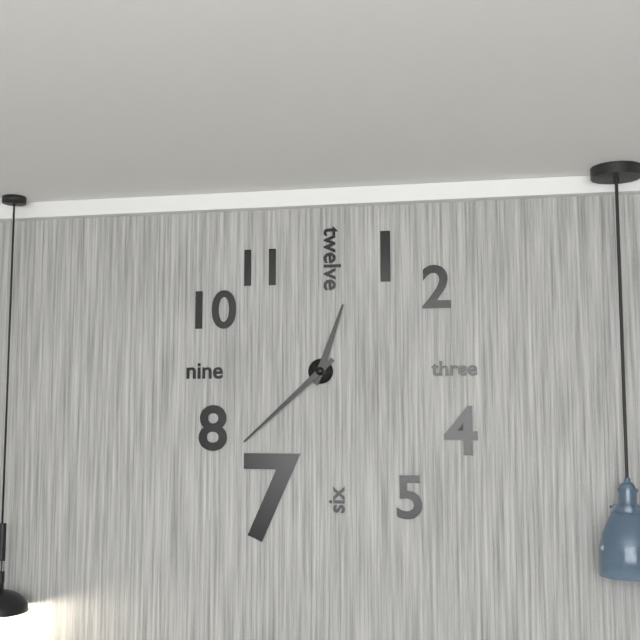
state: 12:38
